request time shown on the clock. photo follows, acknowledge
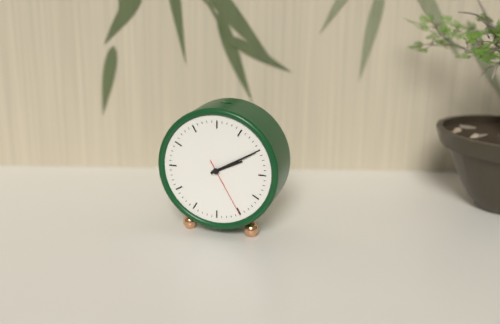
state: 2:10:25
